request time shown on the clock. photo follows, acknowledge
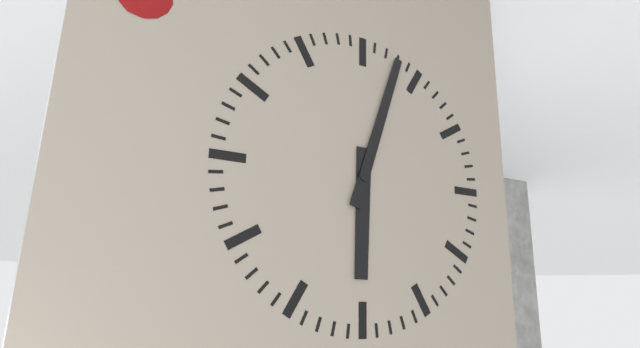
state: 6:03
